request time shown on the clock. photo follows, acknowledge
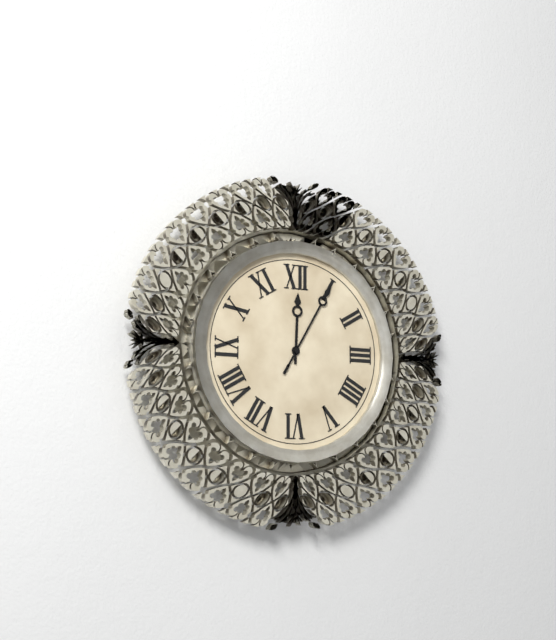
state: 12:05
